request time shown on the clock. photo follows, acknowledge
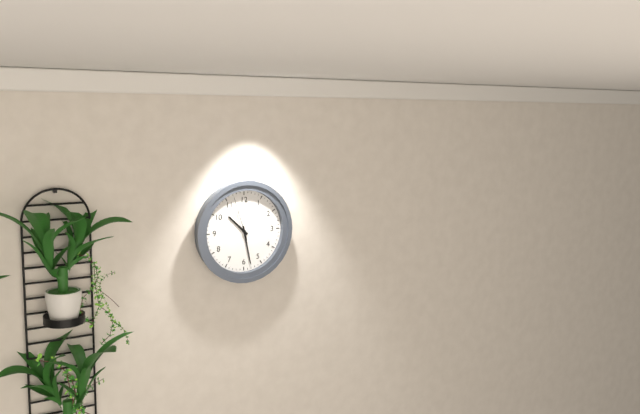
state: 10:28
